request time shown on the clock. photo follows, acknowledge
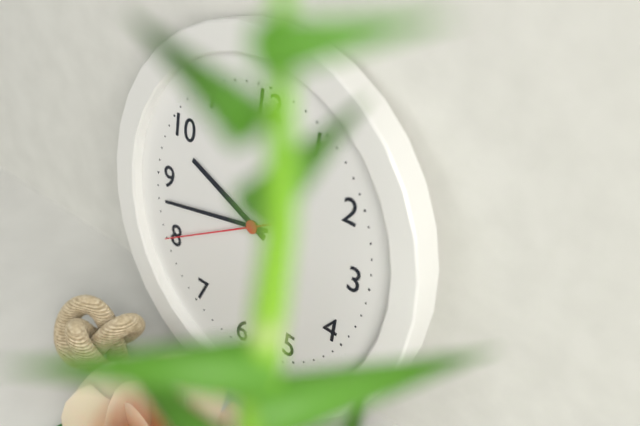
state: 9:43:40
